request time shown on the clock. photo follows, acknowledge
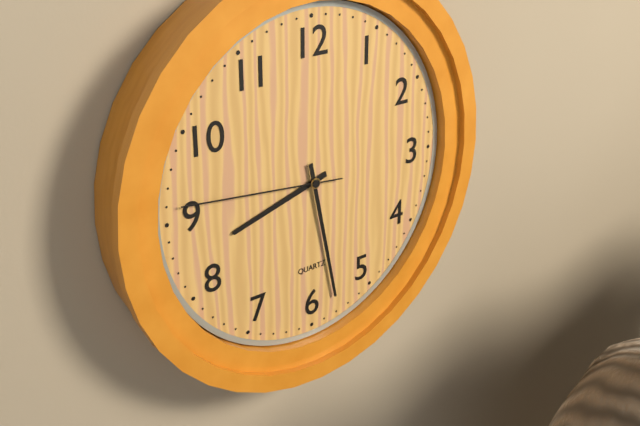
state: 8:28:46
